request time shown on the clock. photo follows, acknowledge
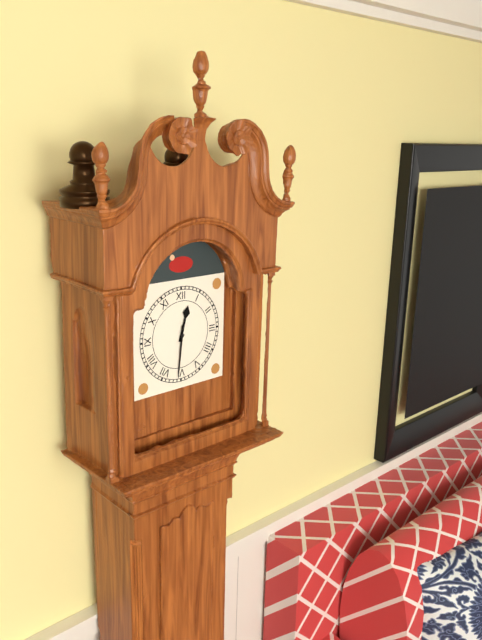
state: 12:31
